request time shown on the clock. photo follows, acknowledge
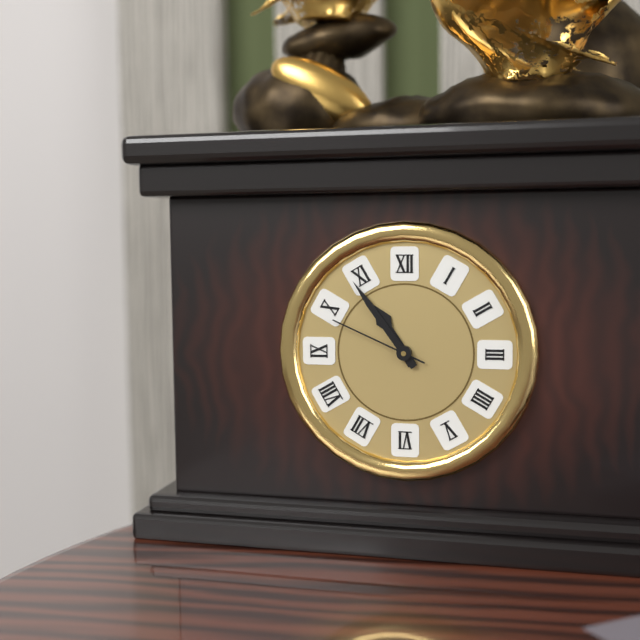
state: 10:54:49
